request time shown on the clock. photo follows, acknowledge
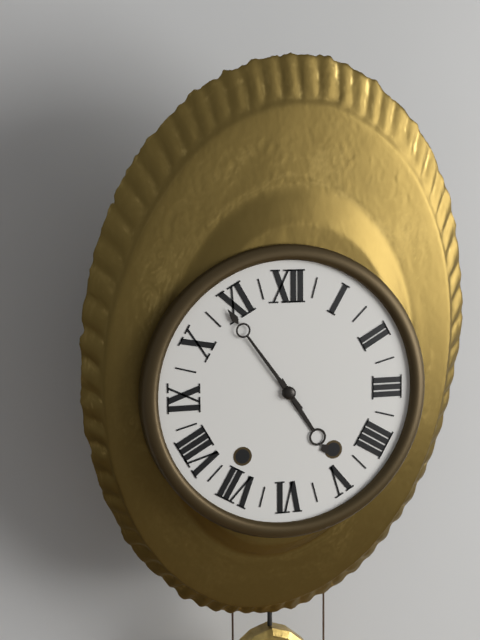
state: 4:54
